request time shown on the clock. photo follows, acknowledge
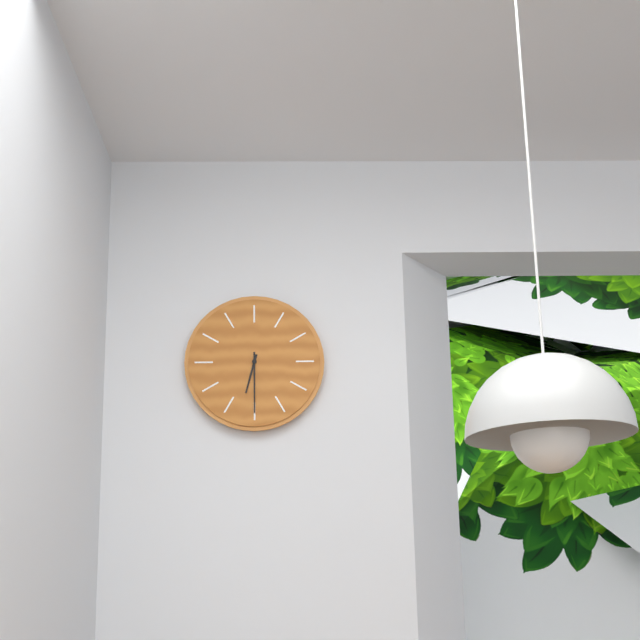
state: 6:30
